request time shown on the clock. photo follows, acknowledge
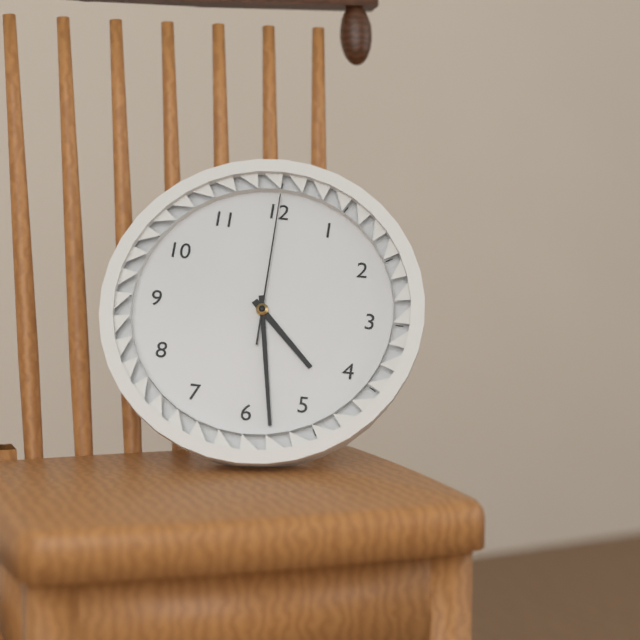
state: 4:28:00
